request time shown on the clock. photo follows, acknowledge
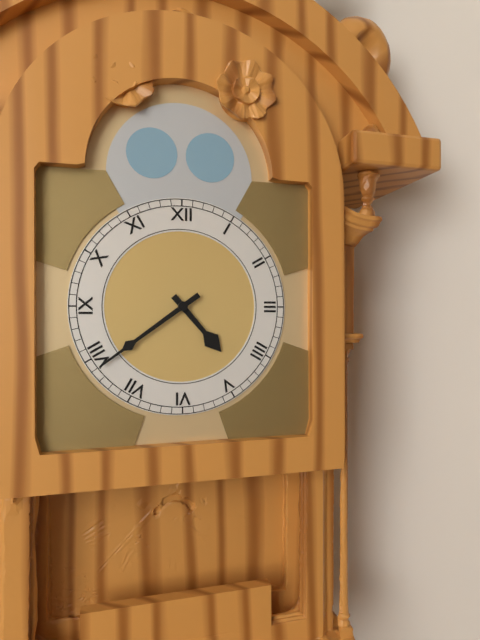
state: 4:39
